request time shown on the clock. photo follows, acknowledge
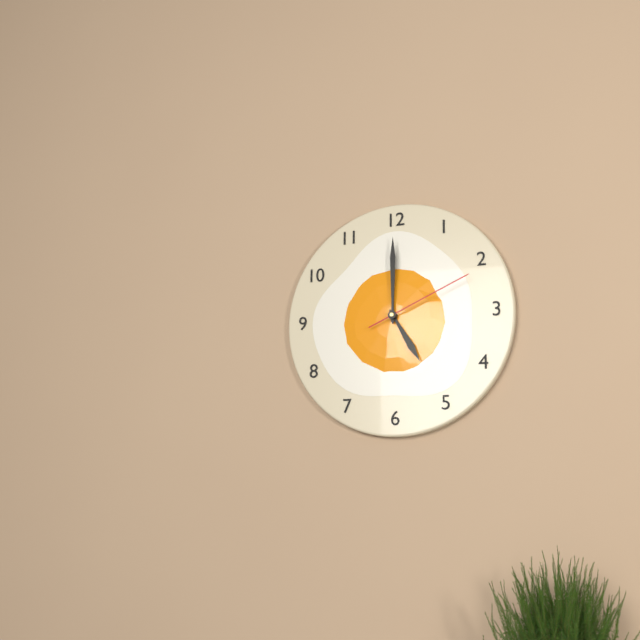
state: 5:00:11
